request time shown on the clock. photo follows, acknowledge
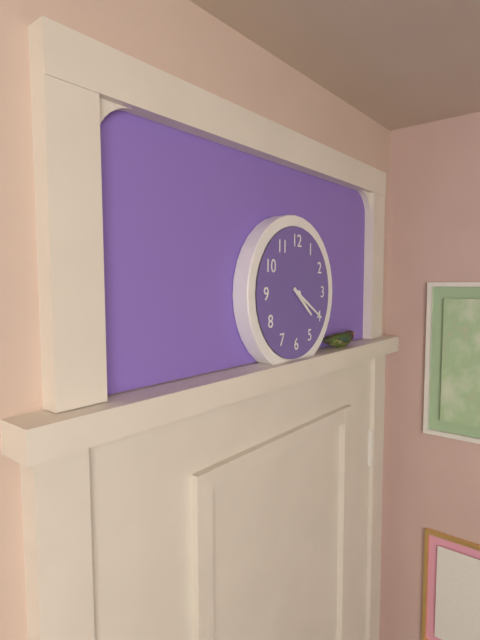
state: 4:20
